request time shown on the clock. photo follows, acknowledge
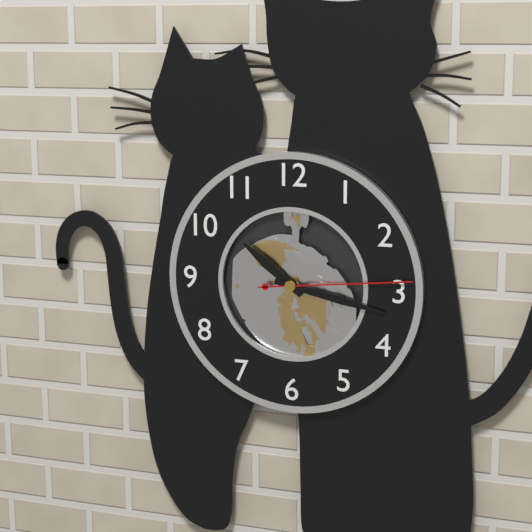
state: 10:17:14
